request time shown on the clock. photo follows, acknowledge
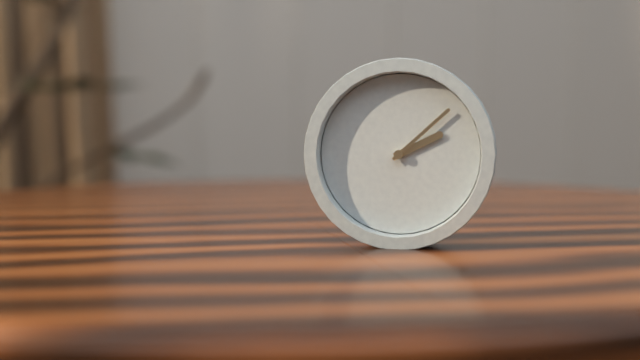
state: 2:08
